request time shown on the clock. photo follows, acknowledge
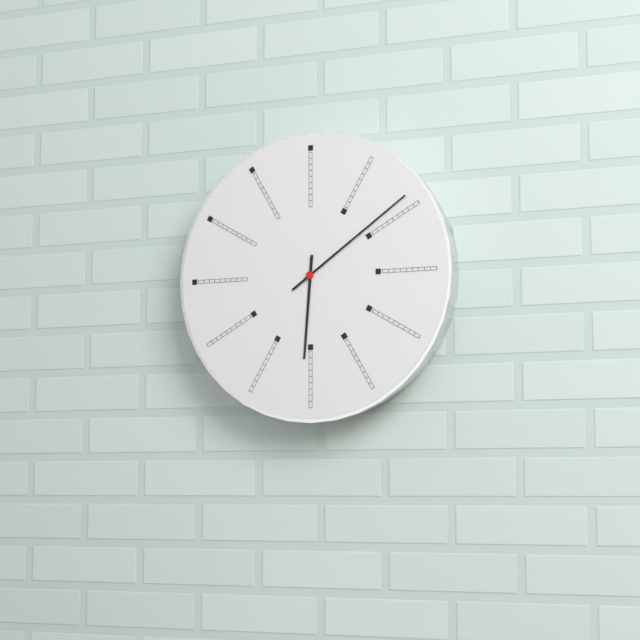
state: 6:09
